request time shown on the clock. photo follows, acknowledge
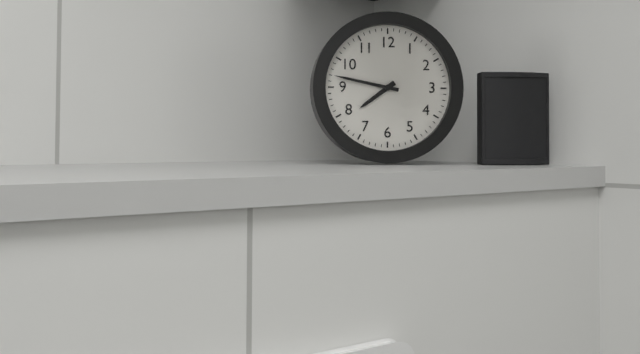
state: 7:47
